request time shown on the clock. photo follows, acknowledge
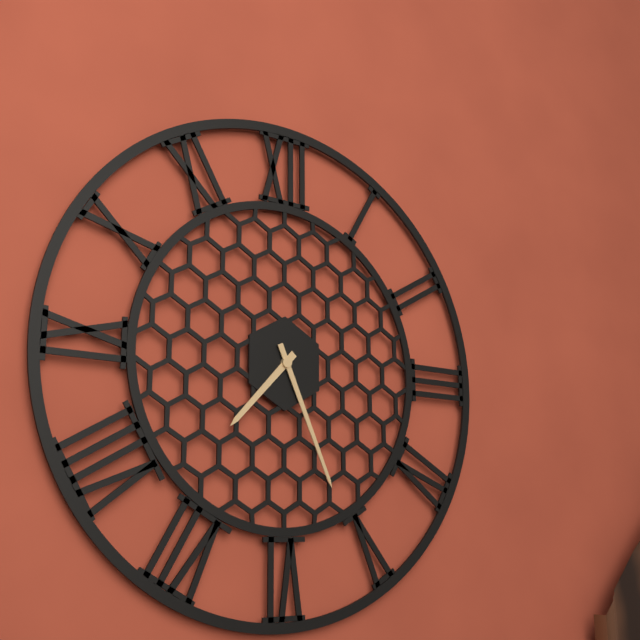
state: 7:26
